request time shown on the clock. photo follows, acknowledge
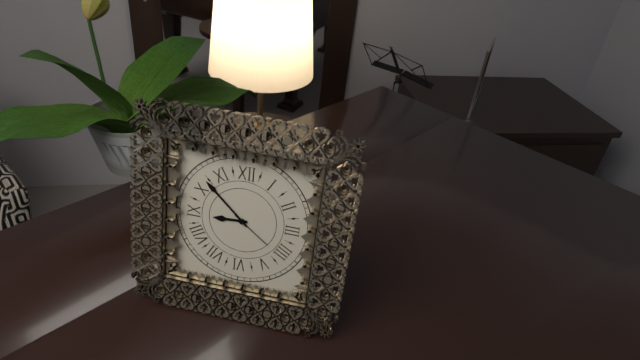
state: 8:52
